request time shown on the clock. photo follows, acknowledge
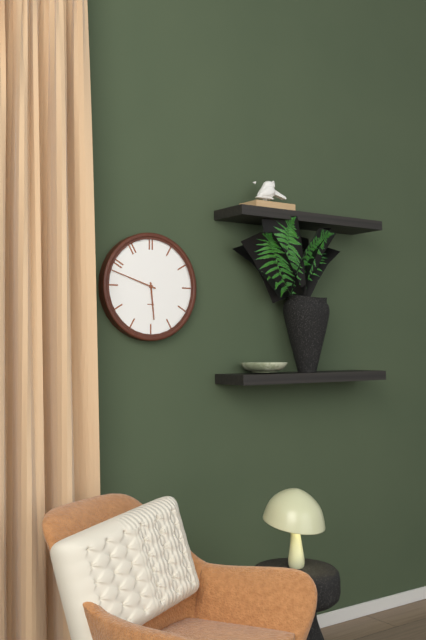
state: 5:48
